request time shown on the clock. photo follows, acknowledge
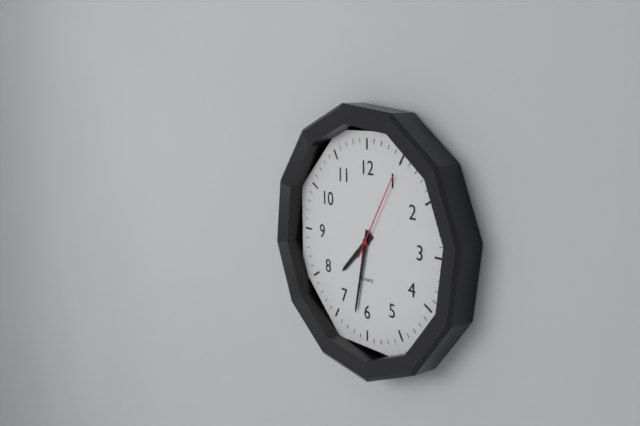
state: 7:32:05
